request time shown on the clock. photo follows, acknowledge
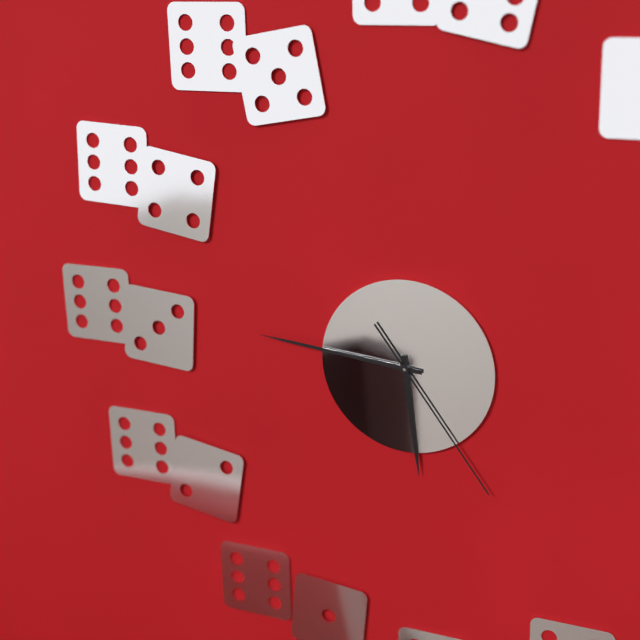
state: 5:46:24
